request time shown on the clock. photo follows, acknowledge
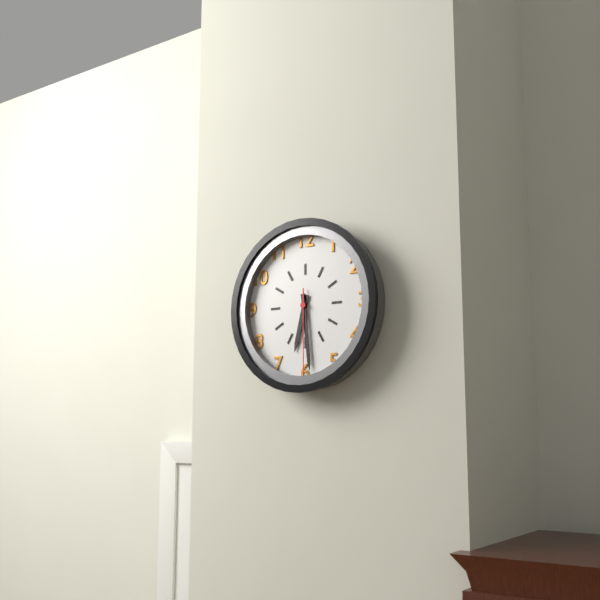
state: 6:29:30
